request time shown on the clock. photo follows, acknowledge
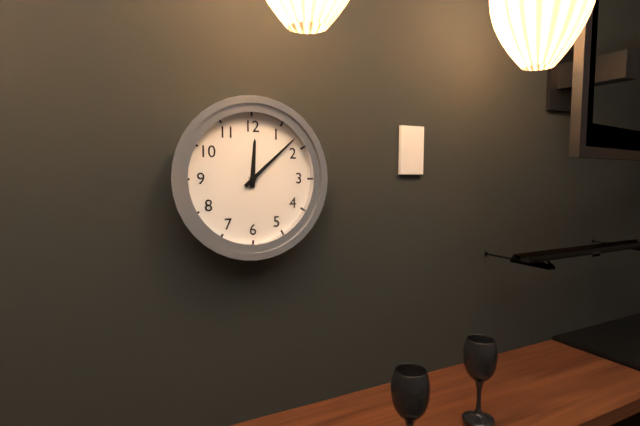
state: 12:08
